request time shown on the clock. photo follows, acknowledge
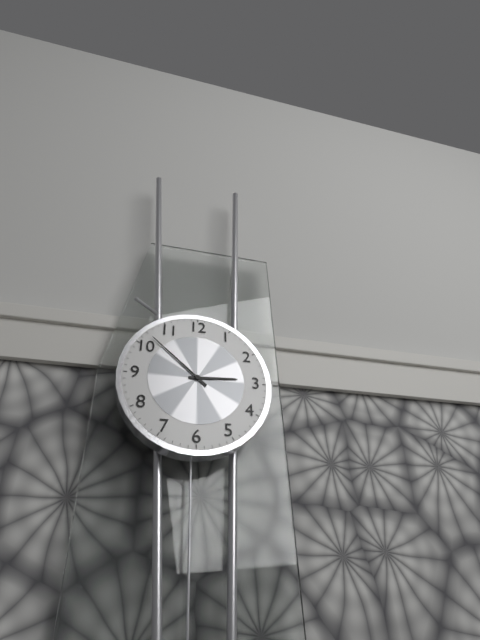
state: 2:52
